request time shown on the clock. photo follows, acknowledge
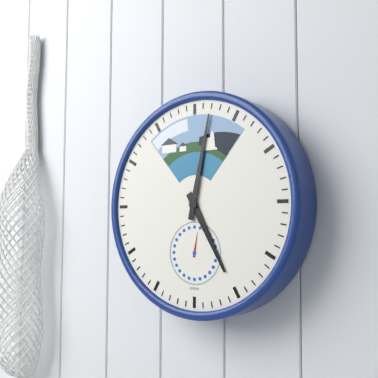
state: 5:02
